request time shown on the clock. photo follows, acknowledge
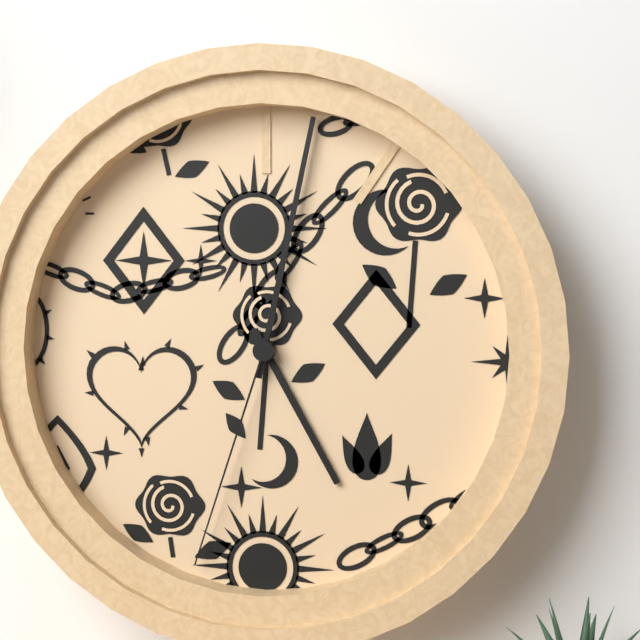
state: 5:02:33
